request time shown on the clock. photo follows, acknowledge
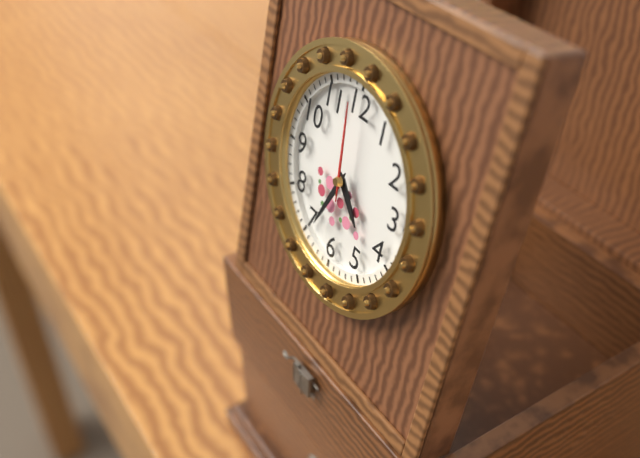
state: 4:34:59
